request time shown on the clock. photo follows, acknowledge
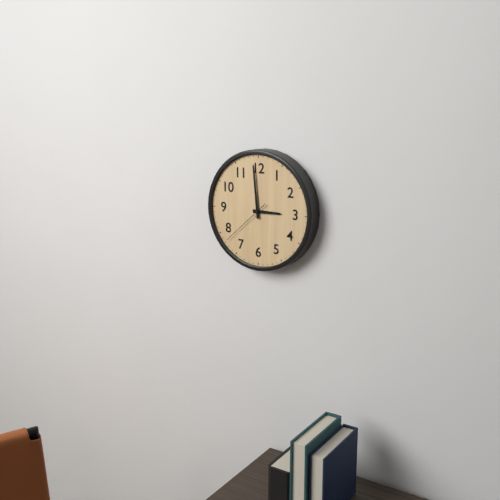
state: 2:59:38
